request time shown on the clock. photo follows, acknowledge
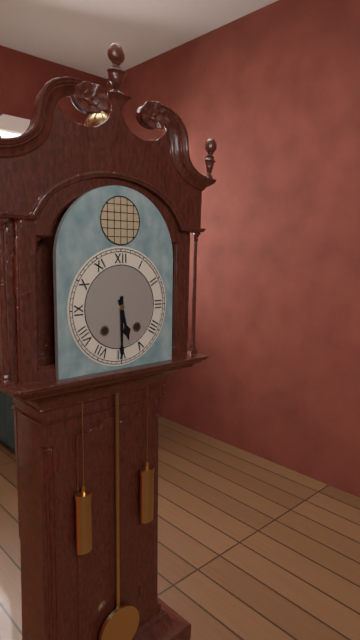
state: 5:30
